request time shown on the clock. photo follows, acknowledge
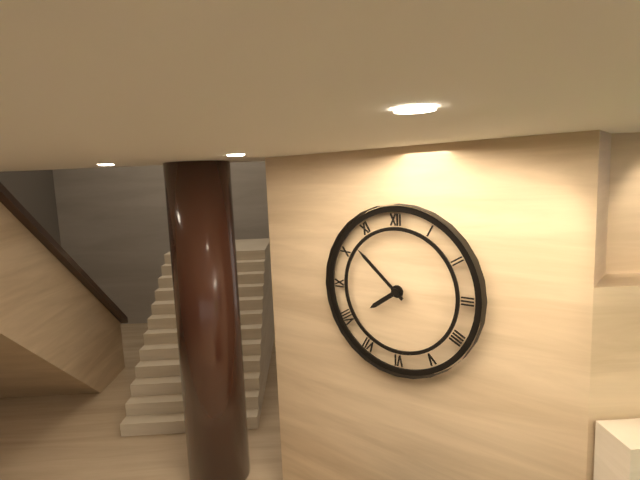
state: 7:52
